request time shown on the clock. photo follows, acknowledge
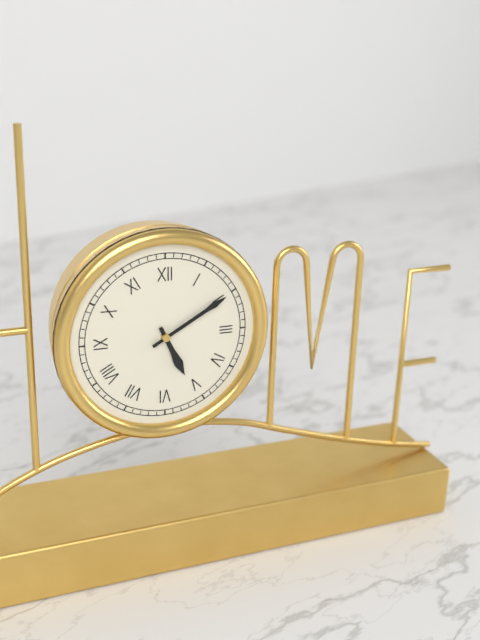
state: 5:10
